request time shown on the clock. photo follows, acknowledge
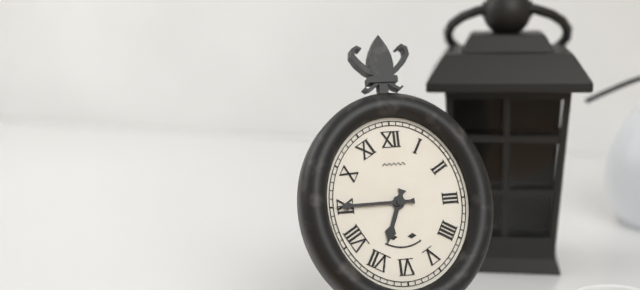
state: 6:45
